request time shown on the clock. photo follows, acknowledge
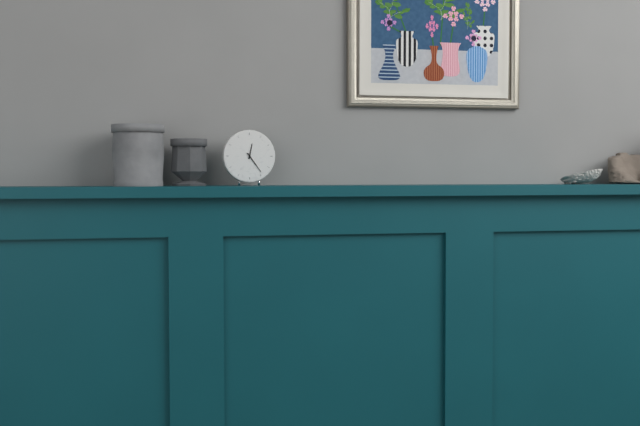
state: 12:24
